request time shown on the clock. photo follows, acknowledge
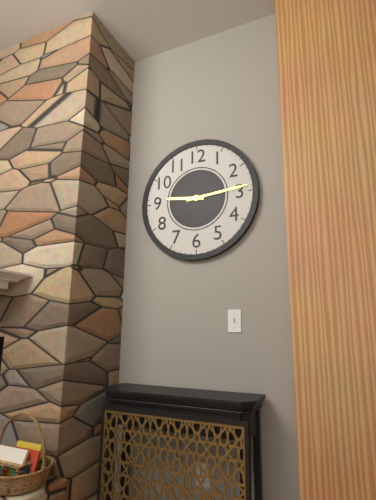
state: 9:14
